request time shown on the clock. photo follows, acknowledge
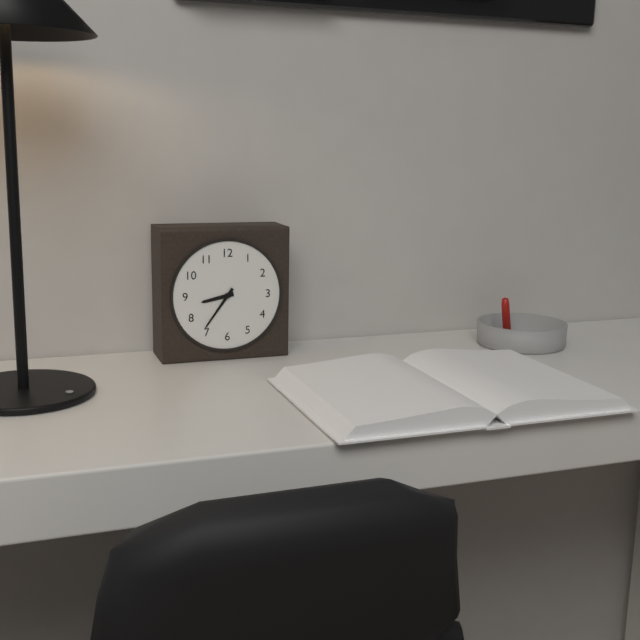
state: 8:36
